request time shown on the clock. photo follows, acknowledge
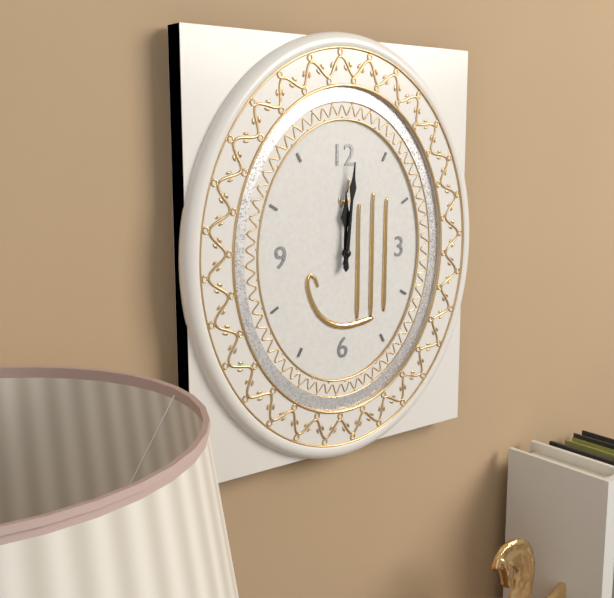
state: 12:01
